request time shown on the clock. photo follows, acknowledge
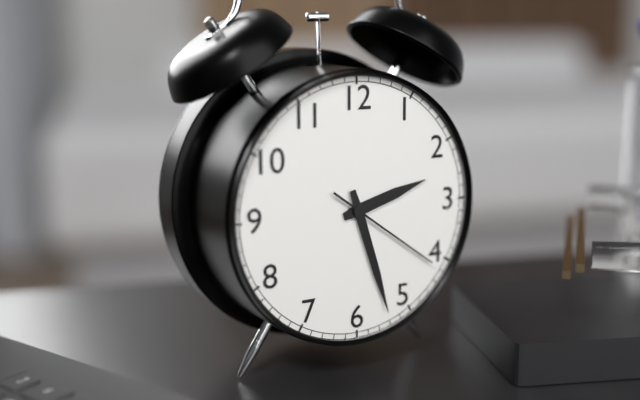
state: 2:27:21
